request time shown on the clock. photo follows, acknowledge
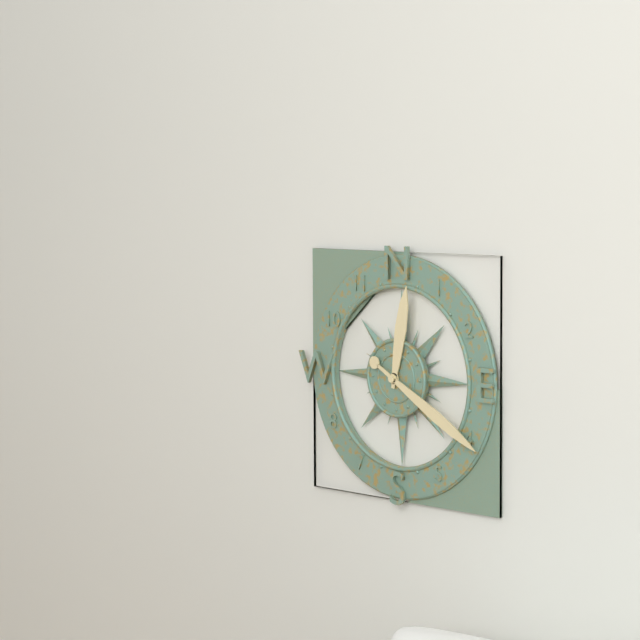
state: 12:20
